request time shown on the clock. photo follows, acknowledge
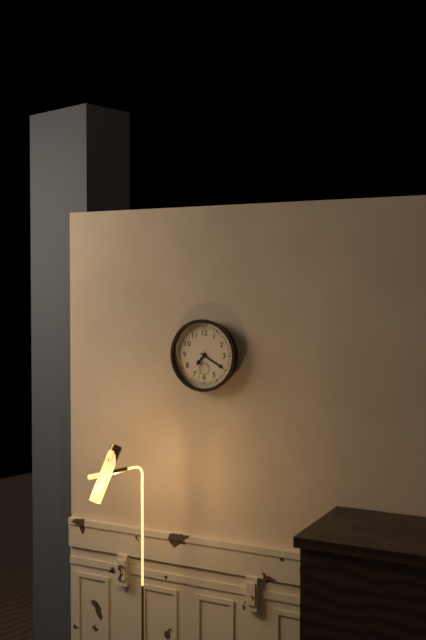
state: 7:20
